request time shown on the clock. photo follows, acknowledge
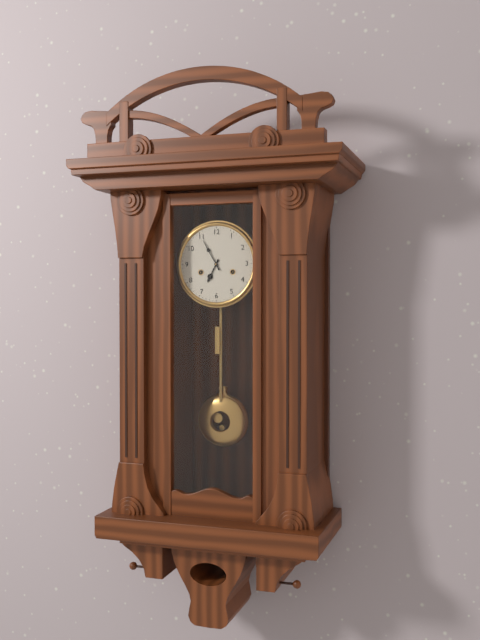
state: 6:55
